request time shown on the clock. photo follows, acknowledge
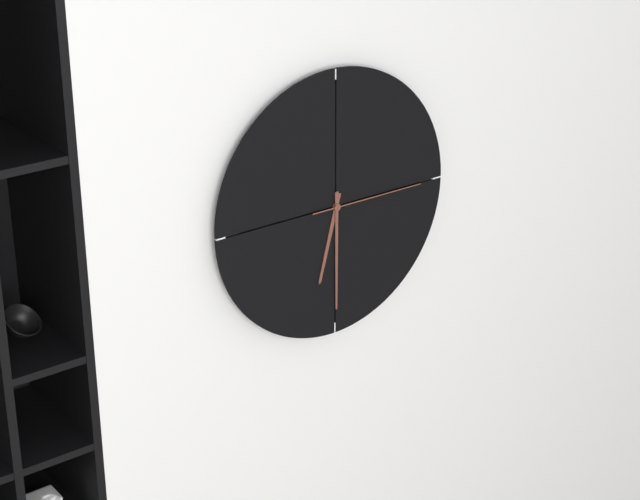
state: 6:30:15
